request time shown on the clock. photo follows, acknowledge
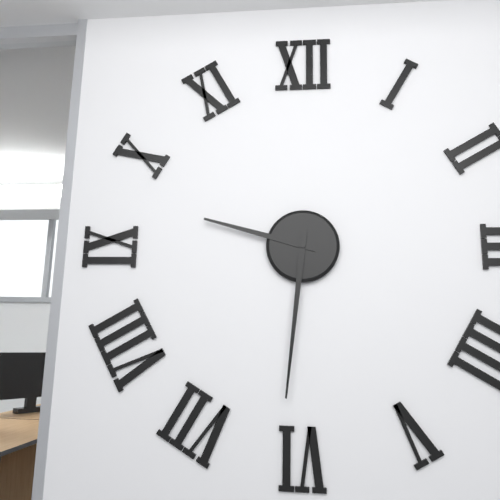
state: 9:31
